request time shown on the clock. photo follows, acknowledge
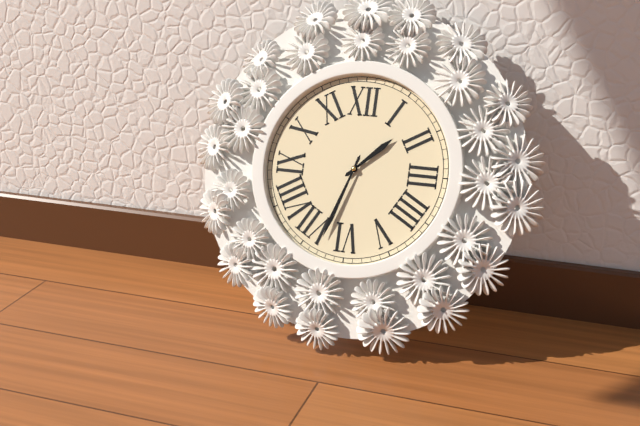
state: 1:33
